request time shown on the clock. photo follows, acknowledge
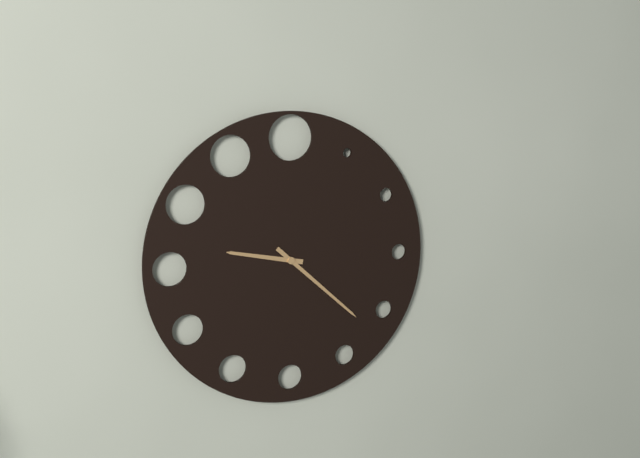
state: 9:22
